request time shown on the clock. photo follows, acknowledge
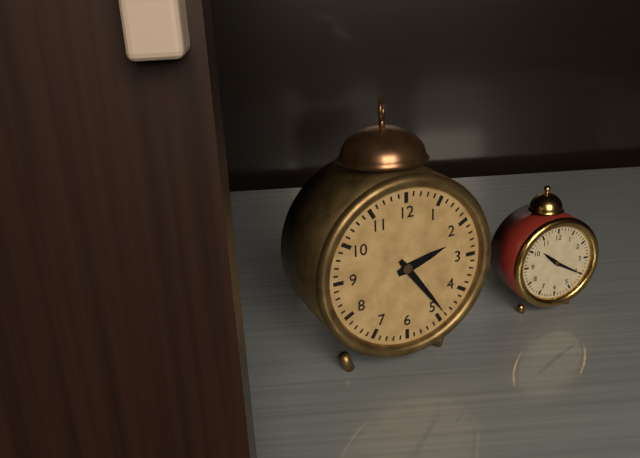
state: 2:24
